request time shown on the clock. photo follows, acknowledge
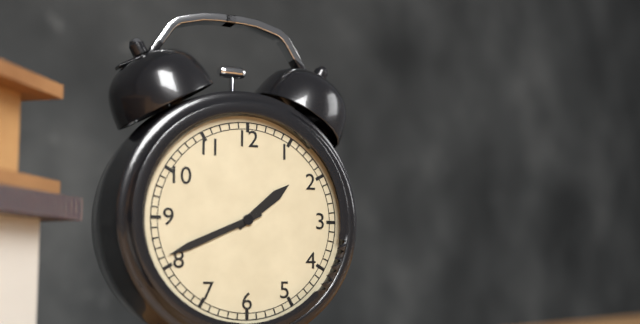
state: 1:41
